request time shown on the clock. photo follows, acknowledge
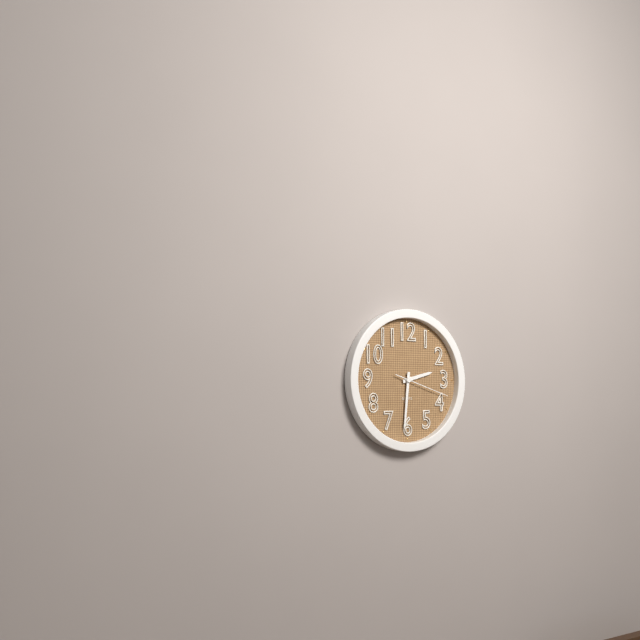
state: 2:31:18
